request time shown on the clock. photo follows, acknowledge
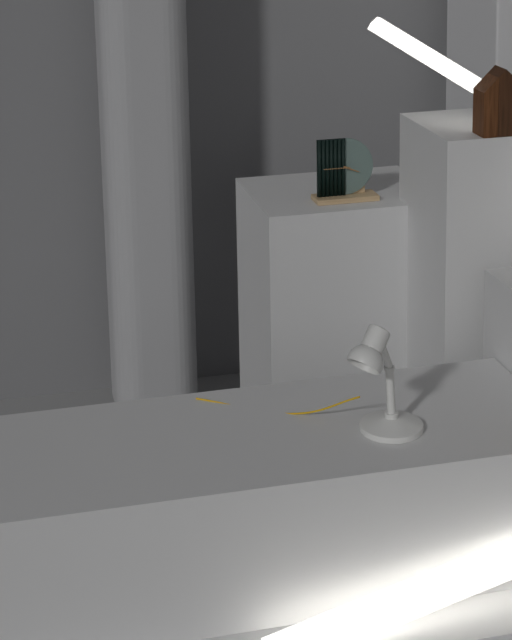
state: 3:45
